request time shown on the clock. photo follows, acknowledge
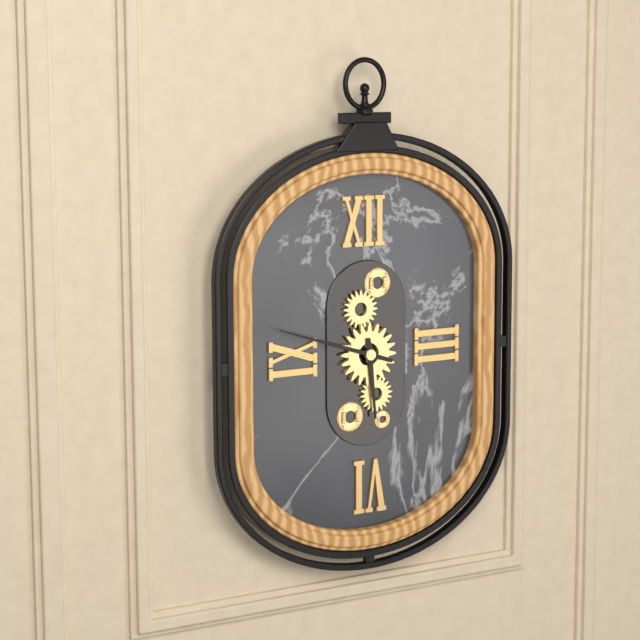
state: 5:48
